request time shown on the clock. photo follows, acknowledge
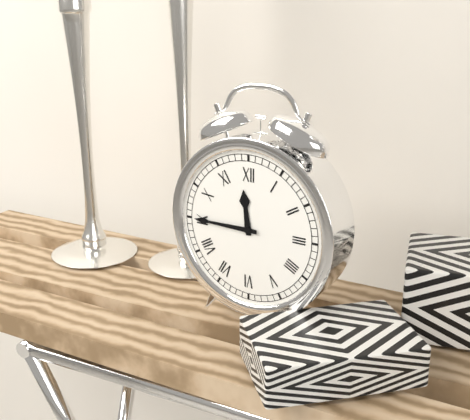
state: 11:45
